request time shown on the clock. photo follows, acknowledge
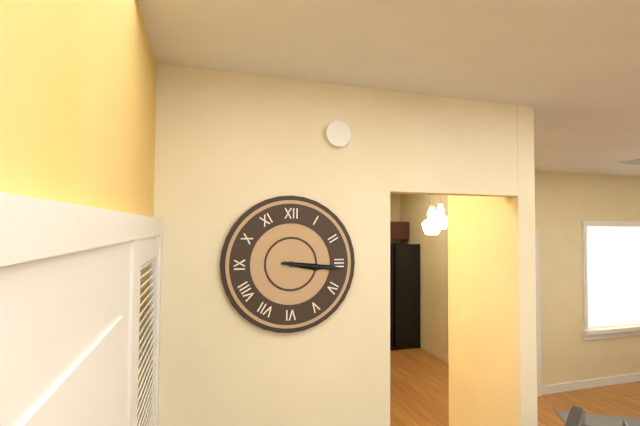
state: 3:16
